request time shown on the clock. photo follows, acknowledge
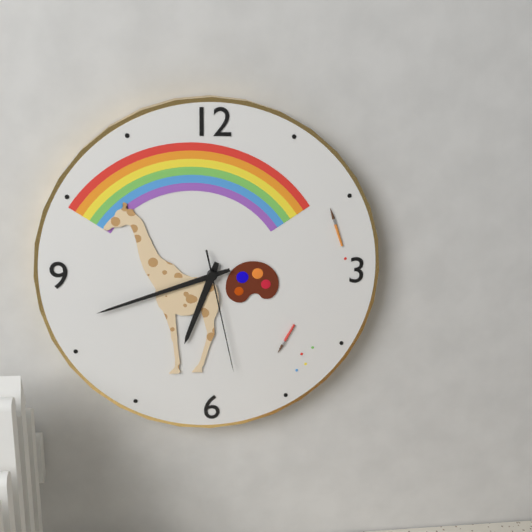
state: 6:42:28
